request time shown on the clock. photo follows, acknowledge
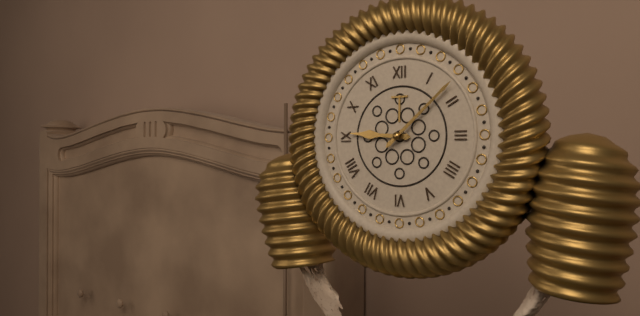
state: 9:08
